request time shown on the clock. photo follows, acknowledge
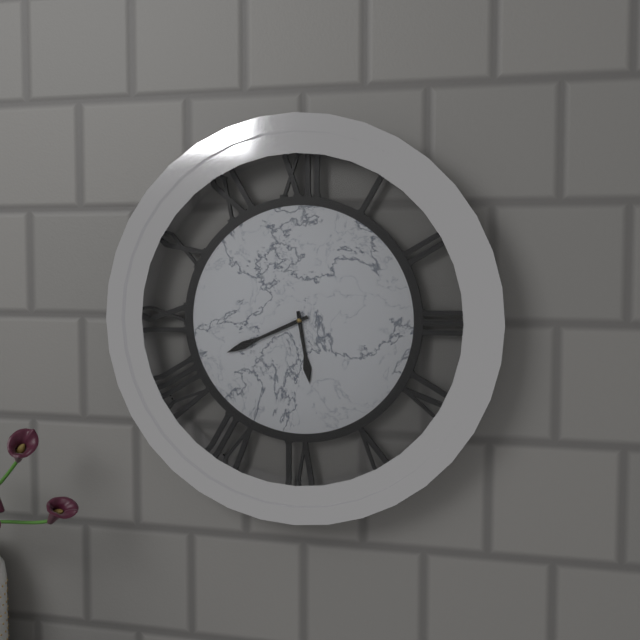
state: 5:41
